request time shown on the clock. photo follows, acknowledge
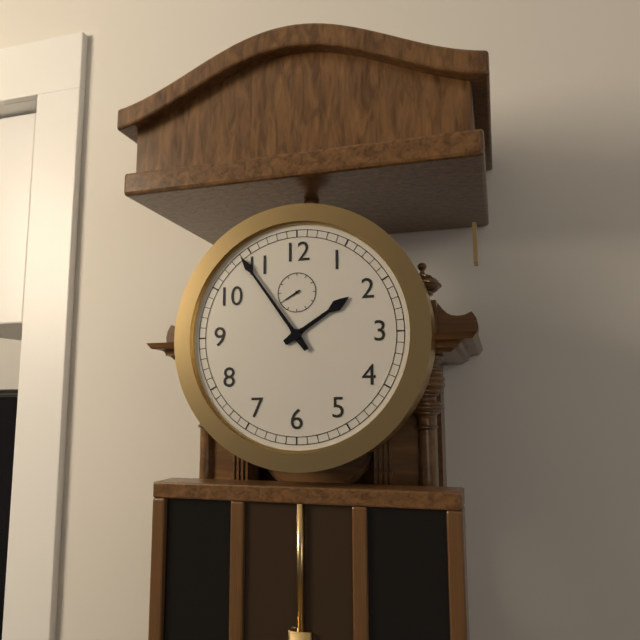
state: 1:54
